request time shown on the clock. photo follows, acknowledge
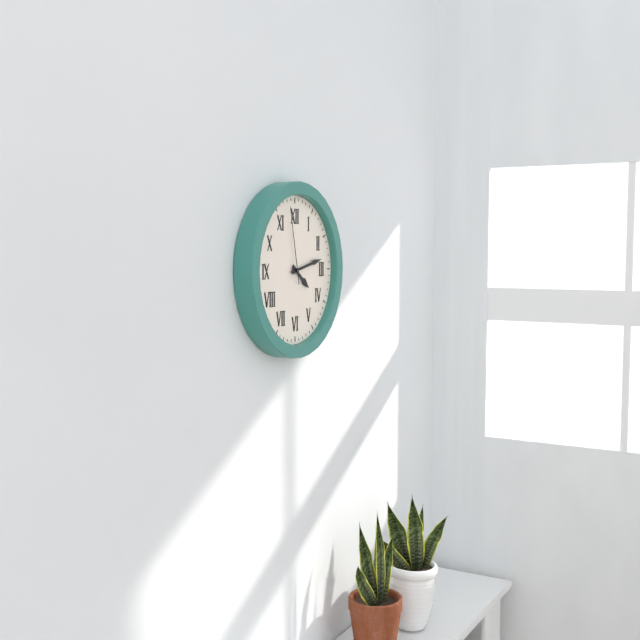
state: 4:13:58
